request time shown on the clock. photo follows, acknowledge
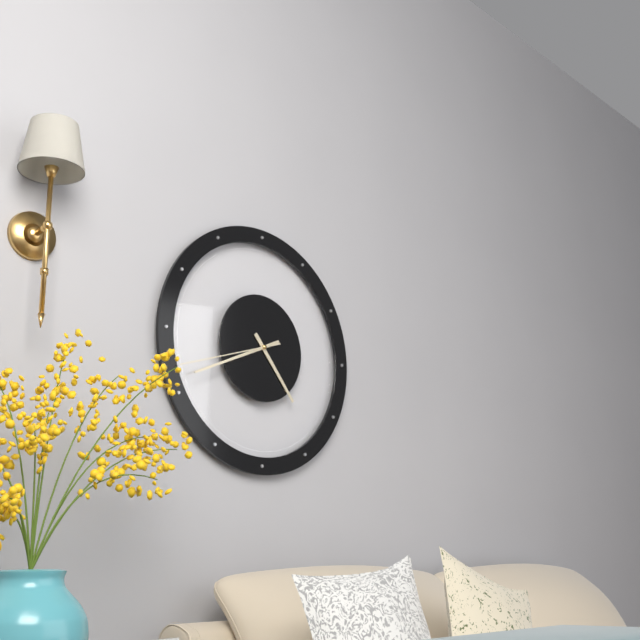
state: 4:41:42
